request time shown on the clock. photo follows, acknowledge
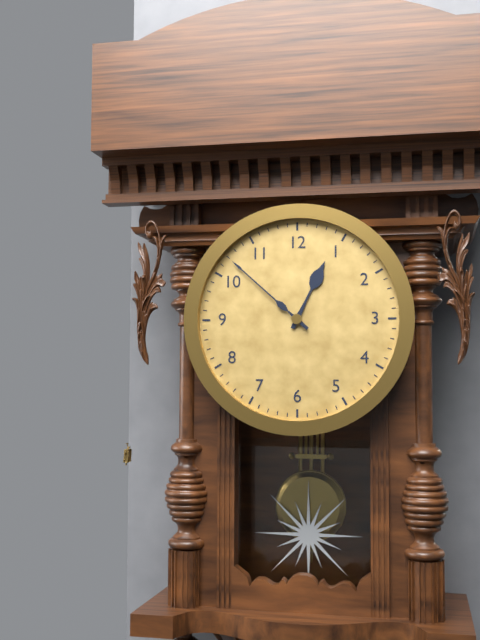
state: 12:52
